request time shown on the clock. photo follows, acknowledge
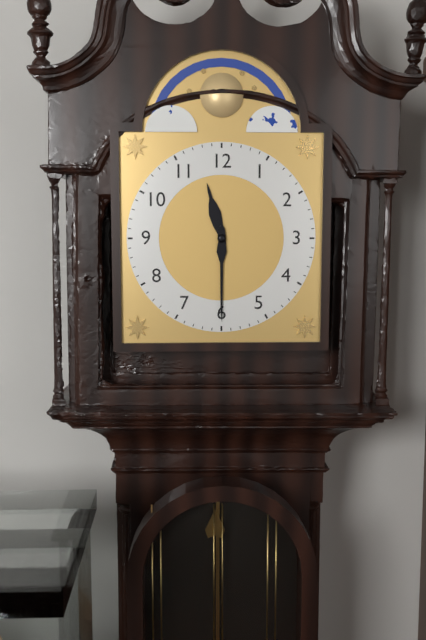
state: 11:30
